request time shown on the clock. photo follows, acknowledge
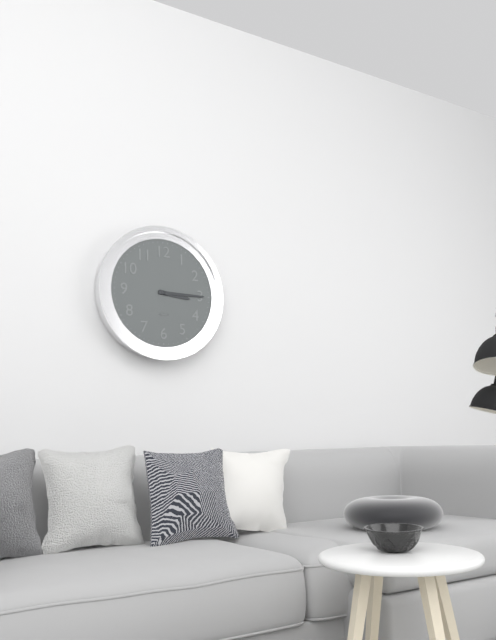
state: 3:15
